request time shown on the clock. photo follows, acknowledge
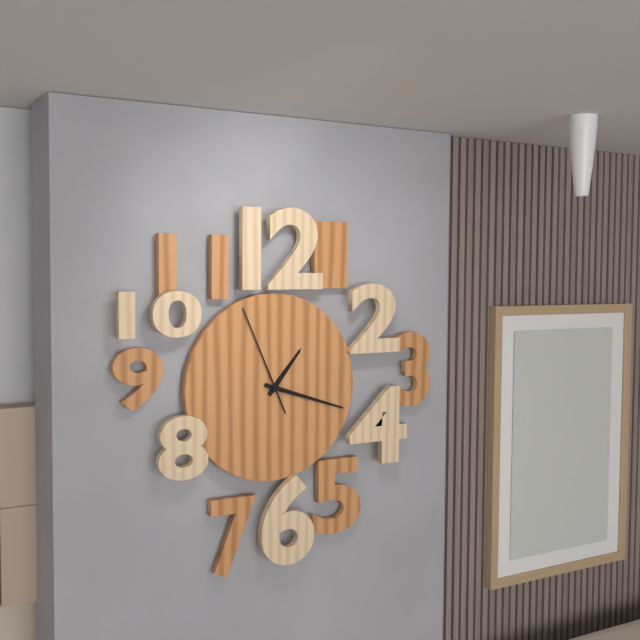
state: 1:18:56
